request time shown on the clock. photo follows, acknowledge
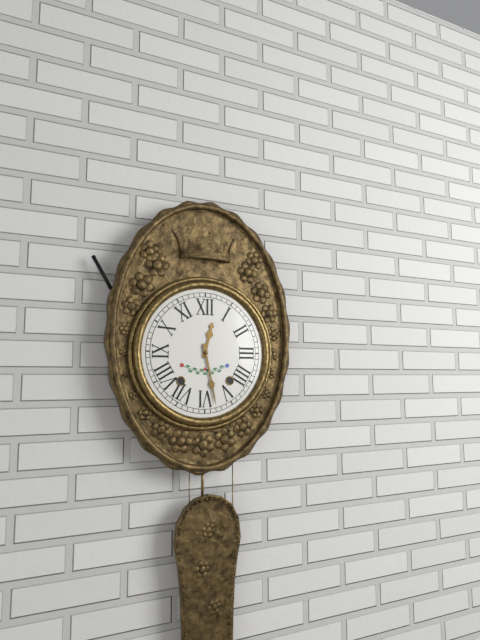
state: 12:28
